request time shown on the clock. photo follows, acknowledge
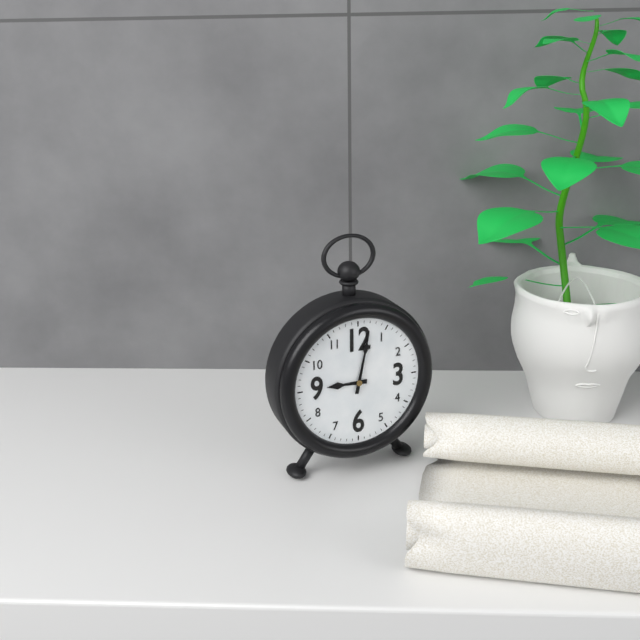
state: 9:02
